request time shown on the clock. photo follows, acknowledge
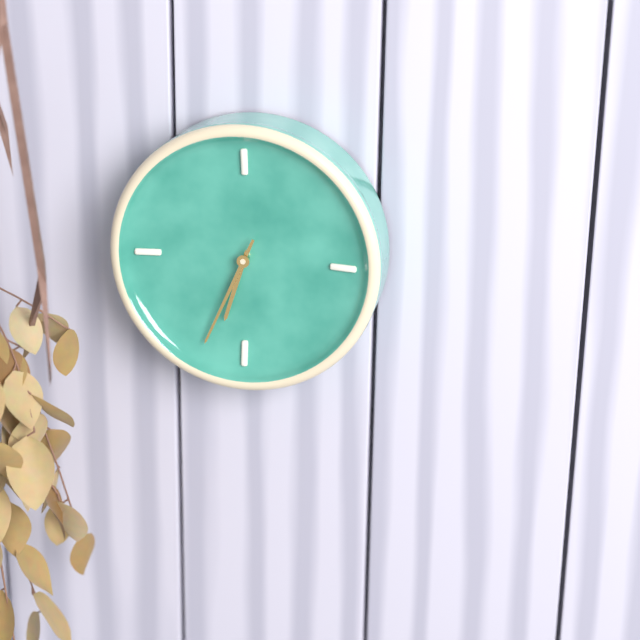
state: 6:34
